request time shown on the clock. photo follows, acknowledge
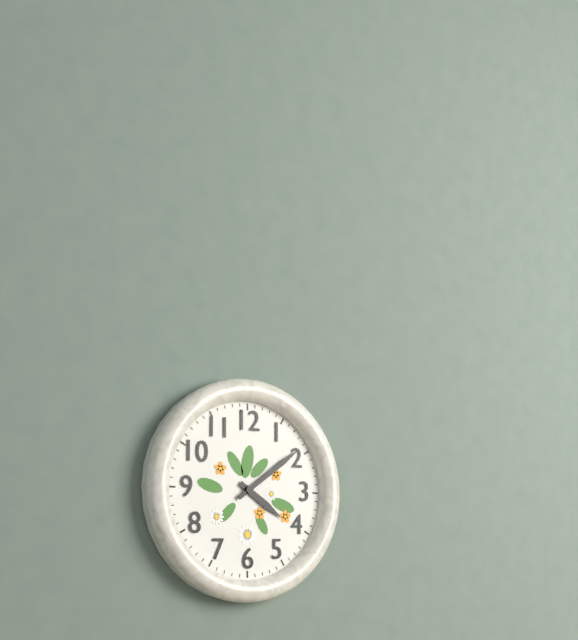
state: 4:09
